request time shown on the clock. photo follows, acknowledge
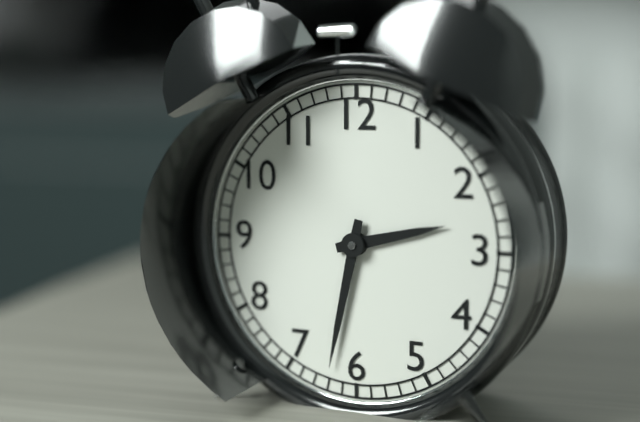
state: 2:32
